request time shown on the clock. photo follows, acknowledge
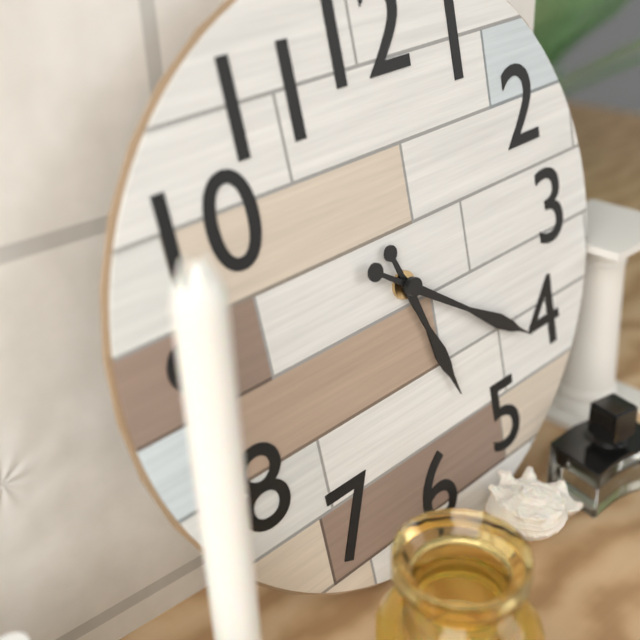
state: 5:21
